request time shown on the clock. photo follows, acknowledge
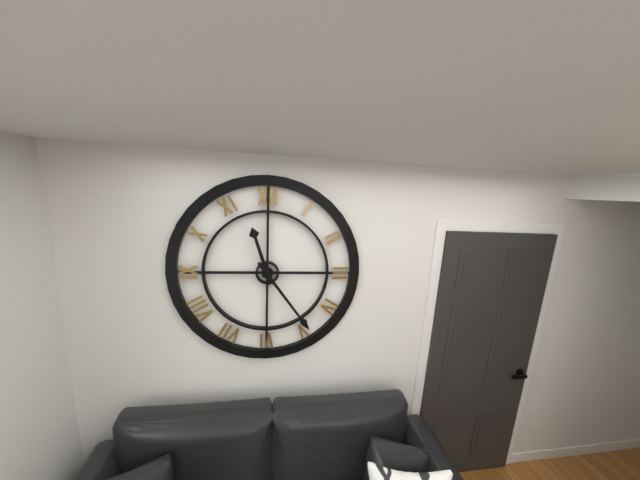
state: 11:24
